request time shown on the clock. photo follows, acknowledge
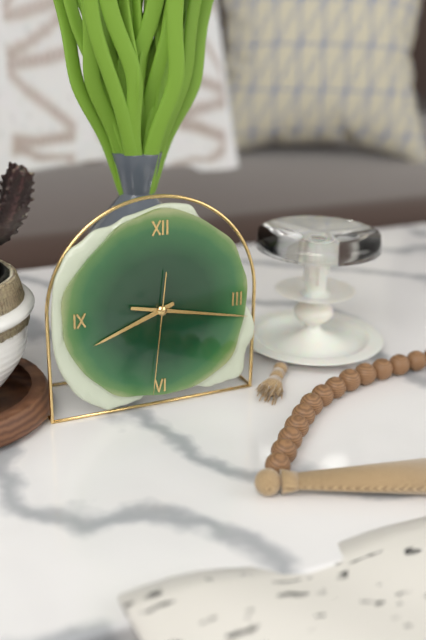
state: 8:17:31
